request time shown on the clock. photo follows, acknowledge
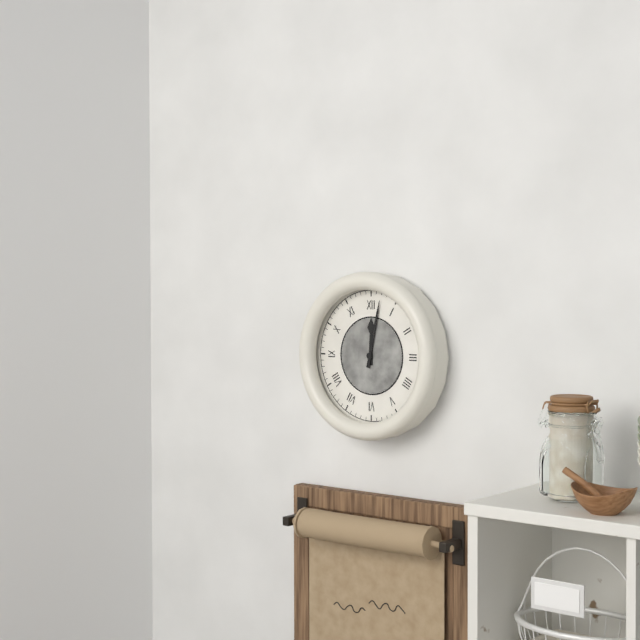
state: 12:02
